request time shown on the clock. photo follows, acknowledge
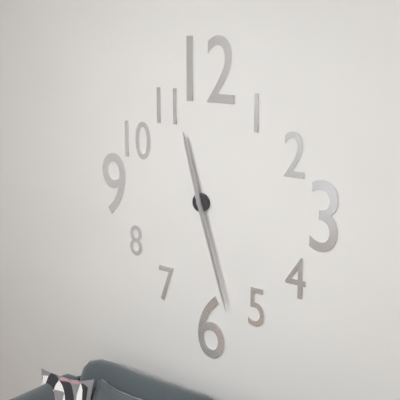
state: 11:27
